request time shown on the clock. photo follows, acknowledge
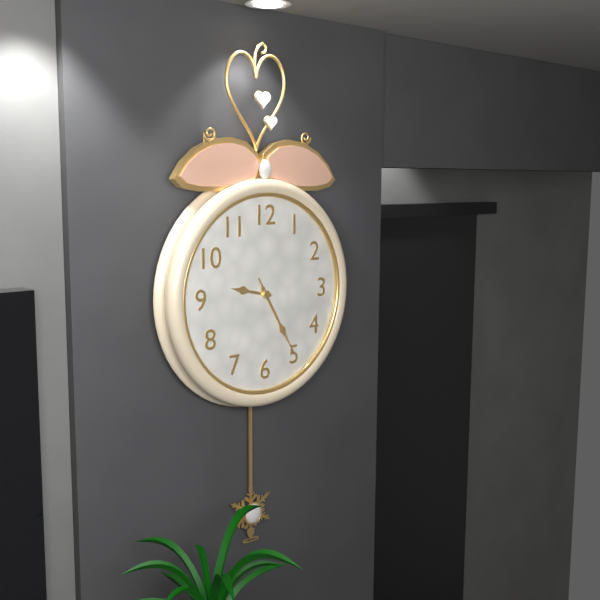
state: 9:25:25
